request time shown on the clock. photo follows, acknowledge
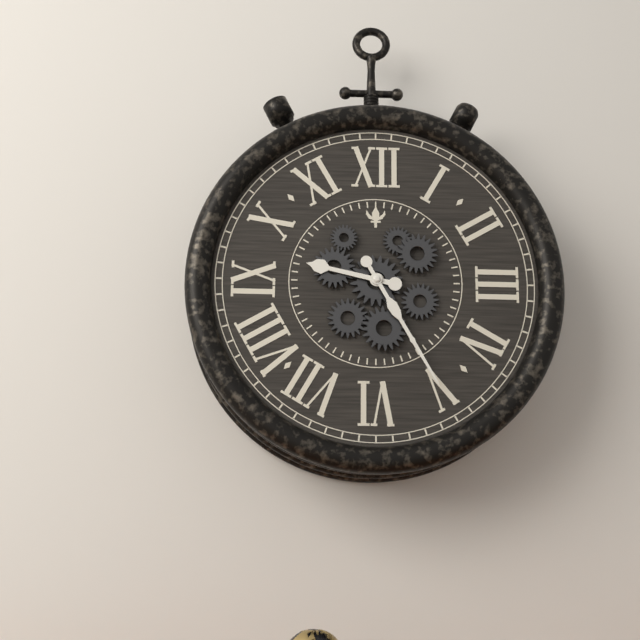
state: 9:25
